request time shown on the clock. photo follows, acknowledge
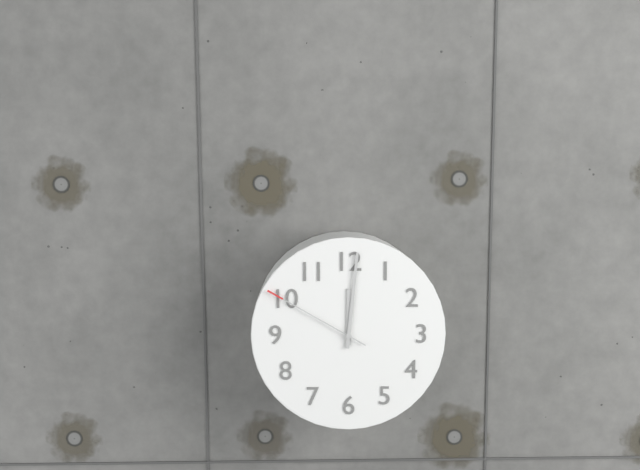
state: 12:01:50
